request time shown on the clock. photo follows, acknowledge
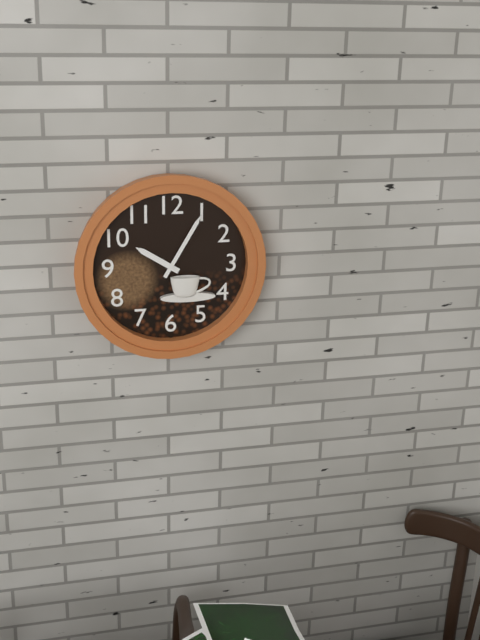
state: 10:05
